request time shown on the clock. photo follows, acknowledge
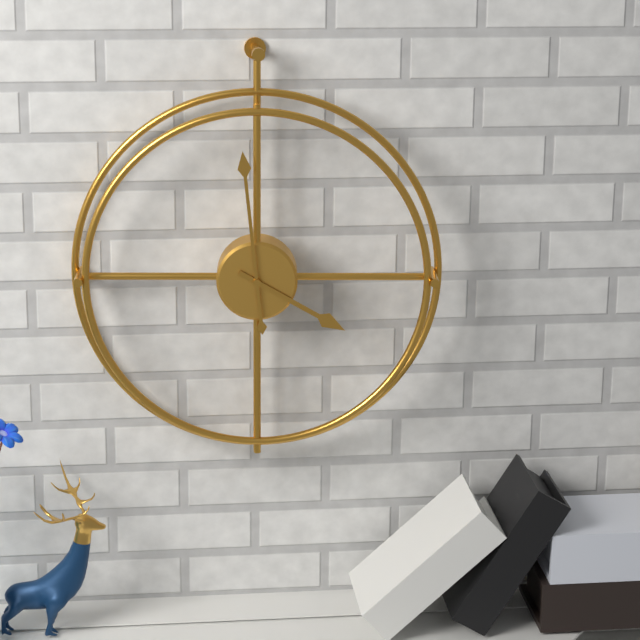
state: 3:59
